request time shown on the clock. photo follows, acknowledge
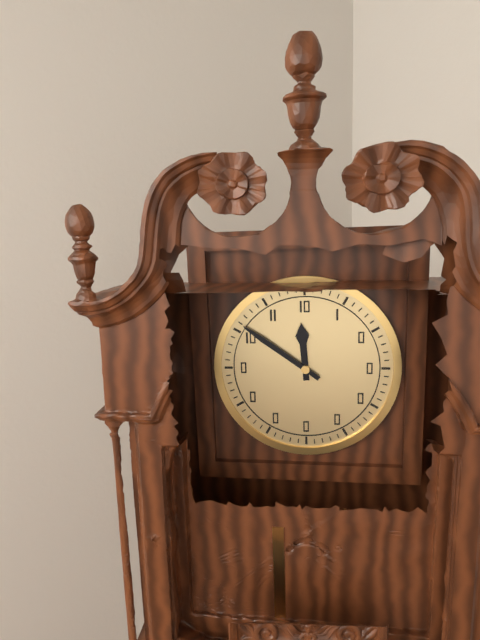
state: 11:51
